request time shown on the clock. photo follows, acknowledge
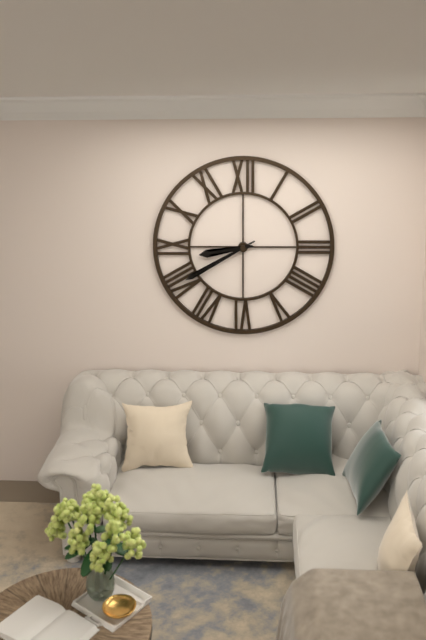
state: 8:40
